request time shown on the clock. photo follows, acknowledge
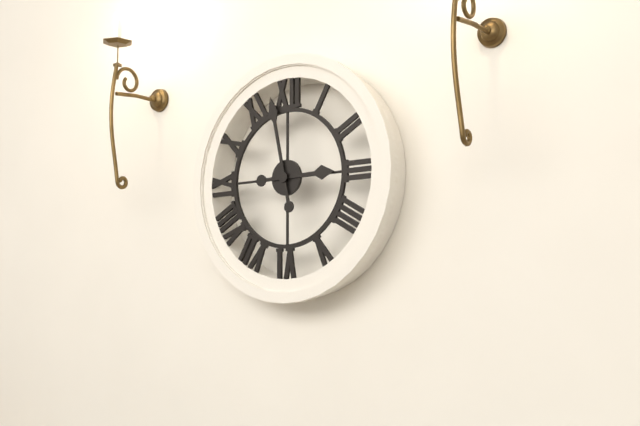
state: 2:58
